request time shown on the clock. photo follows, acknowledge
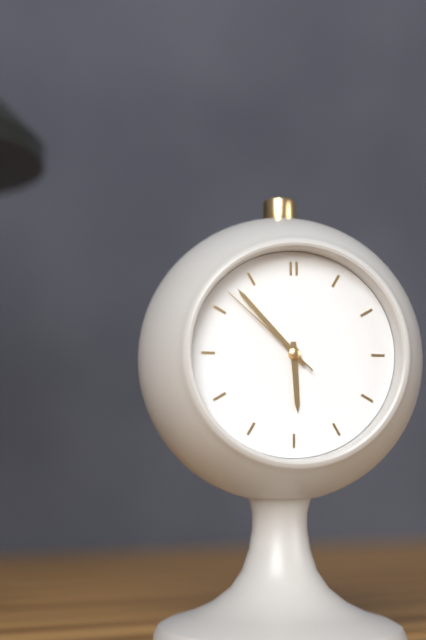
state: 5:53:52
